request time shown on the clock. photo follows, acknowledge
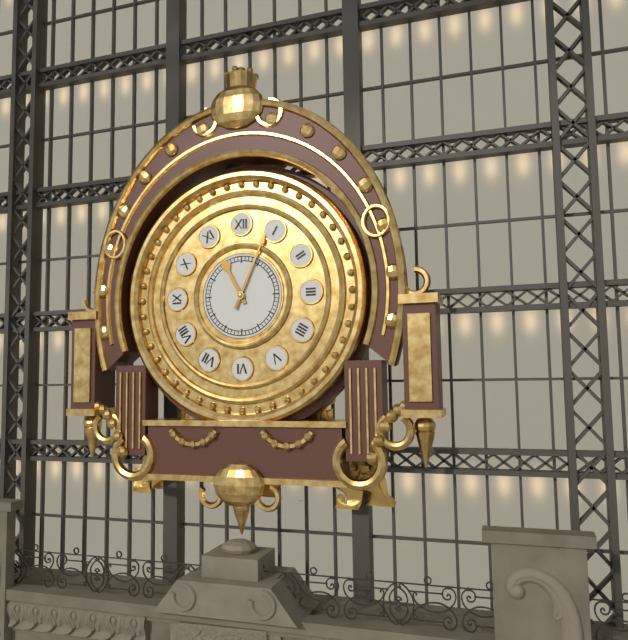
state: 11:04
